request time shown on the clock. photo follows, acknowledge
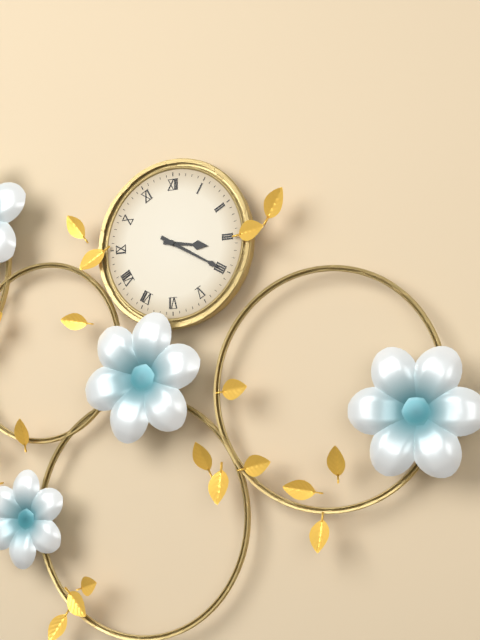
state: 3:20
